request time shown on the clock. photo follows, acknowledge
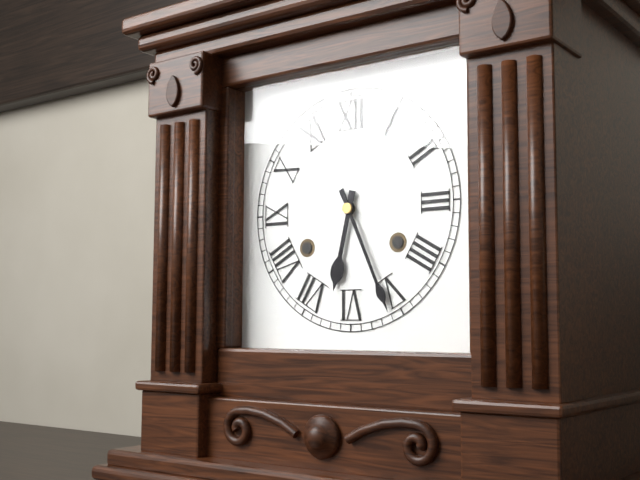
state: 6:26
